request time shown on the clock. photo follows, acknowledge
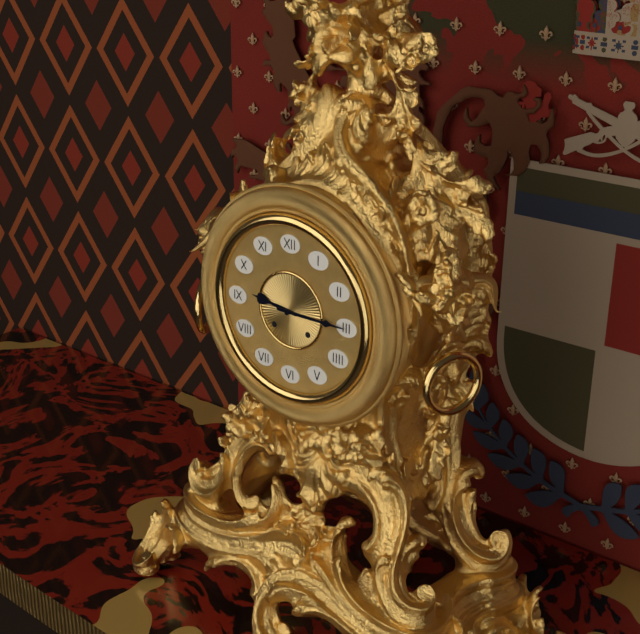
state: 9:15
